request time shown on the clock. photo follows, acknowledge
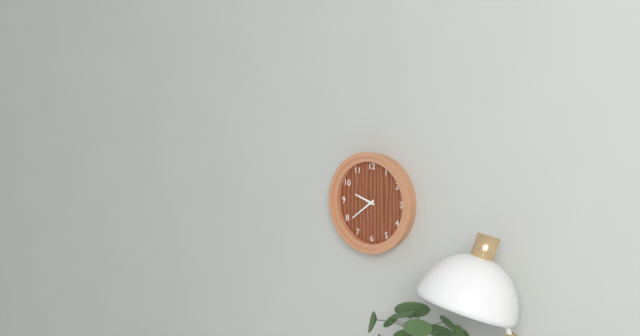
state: 9:39
